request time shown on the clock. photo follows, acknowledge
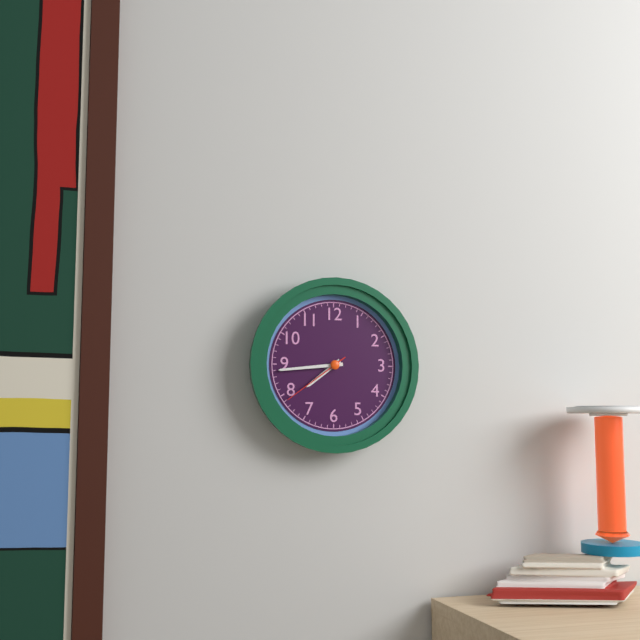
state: 7:44:39
